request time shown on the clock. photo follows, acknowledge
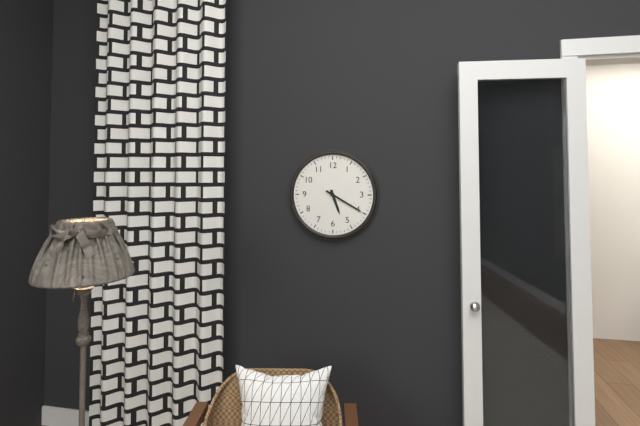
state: 5:20
